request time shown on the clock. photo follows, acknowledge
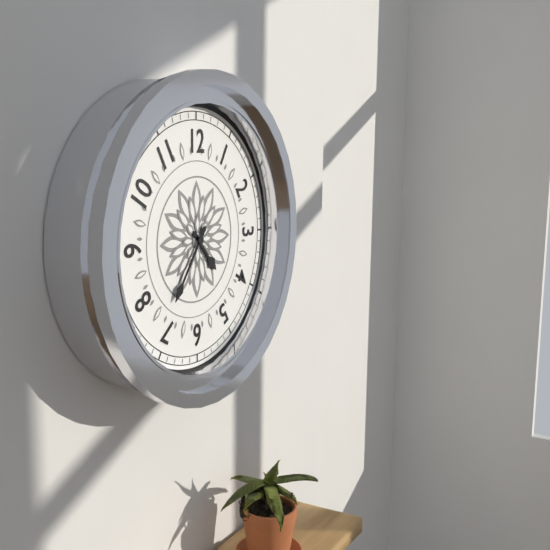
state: 4:36
